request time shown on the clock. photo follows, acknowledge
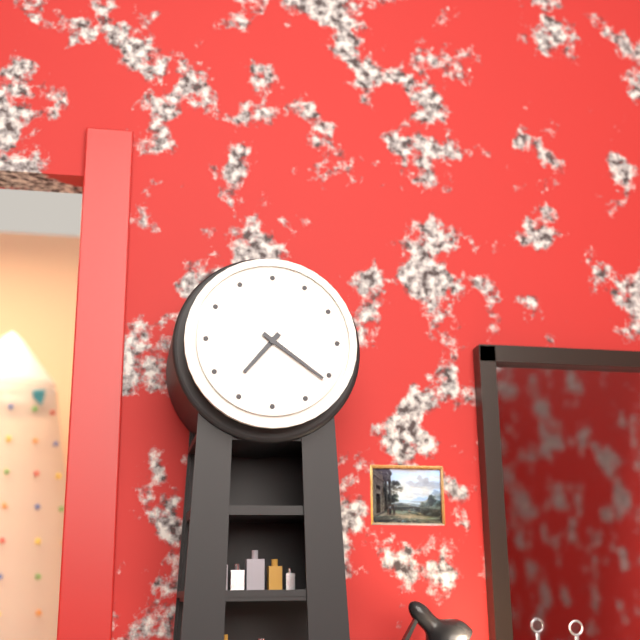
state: 7:21
